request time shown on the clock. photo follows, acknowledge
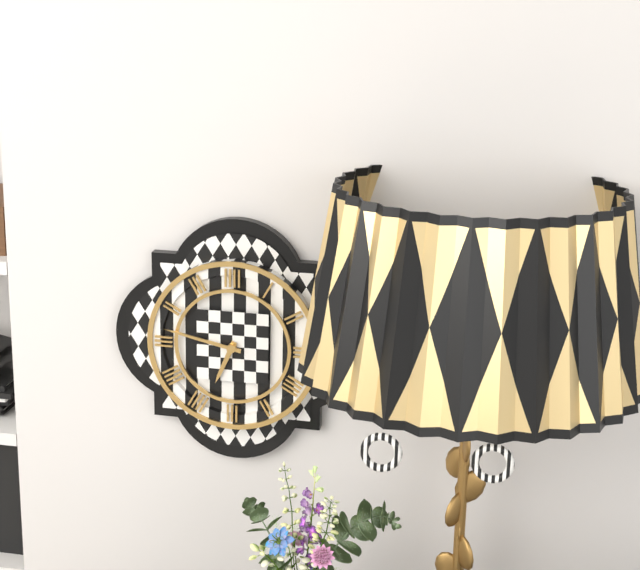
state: 6:47
